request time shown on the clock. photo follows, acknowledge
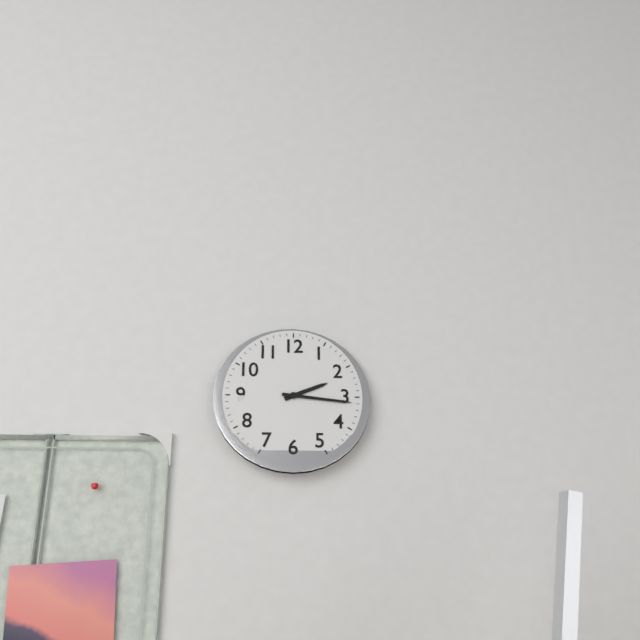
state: 2:16
